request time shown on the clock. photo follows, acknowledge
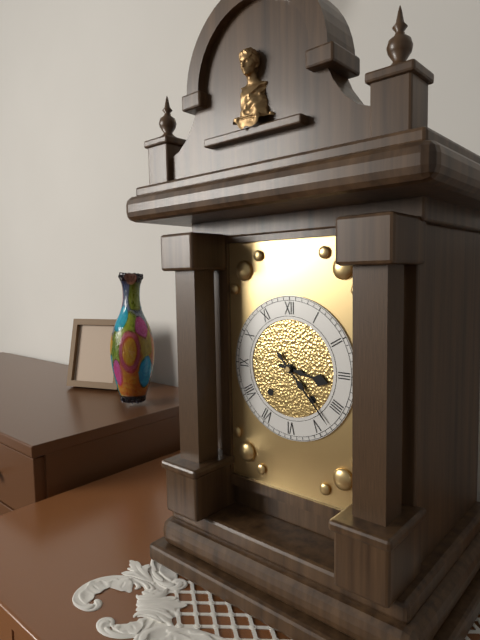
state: 3:23
